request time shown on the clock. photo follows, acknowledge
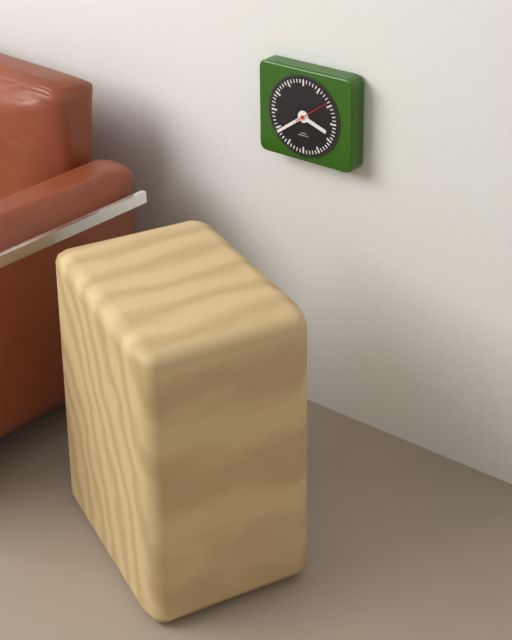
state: 3:39
